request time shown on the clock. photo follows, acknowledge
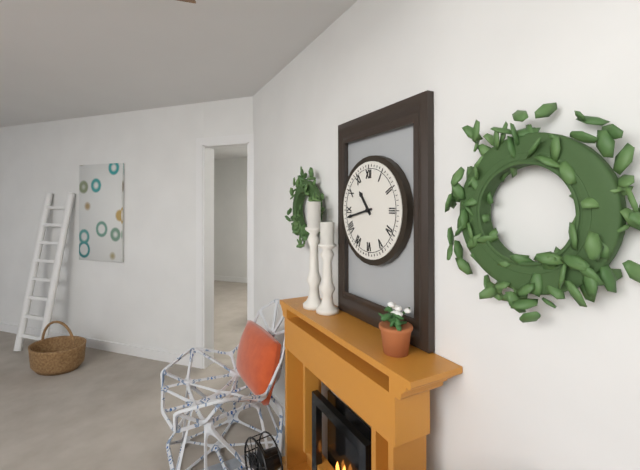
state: 10:43
